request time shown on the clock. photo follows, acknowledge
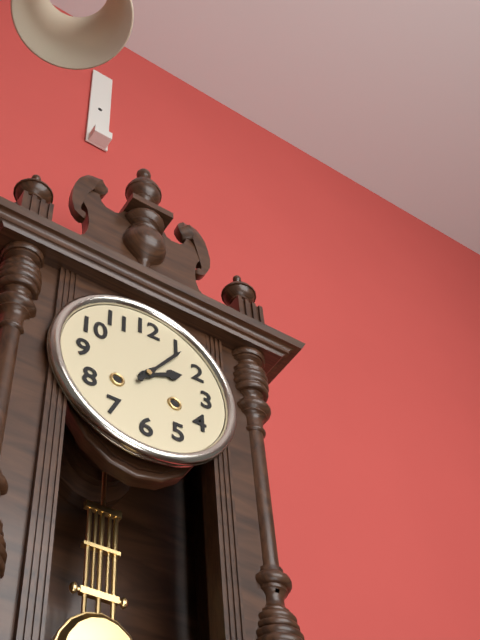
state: 2:06
